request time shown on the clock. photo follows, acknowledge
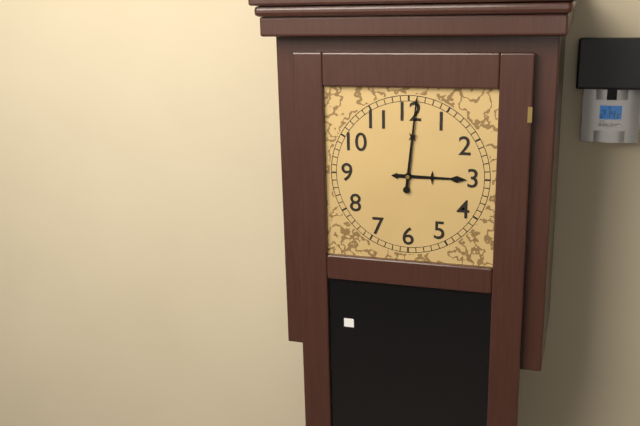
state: 3:01
